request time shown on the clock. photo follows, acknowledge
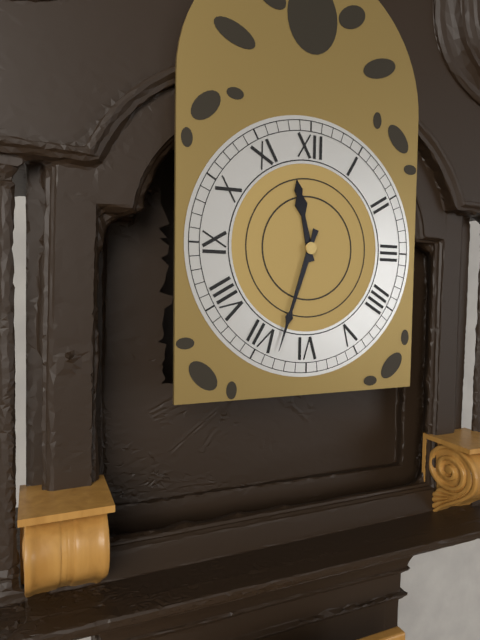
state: 11:33
